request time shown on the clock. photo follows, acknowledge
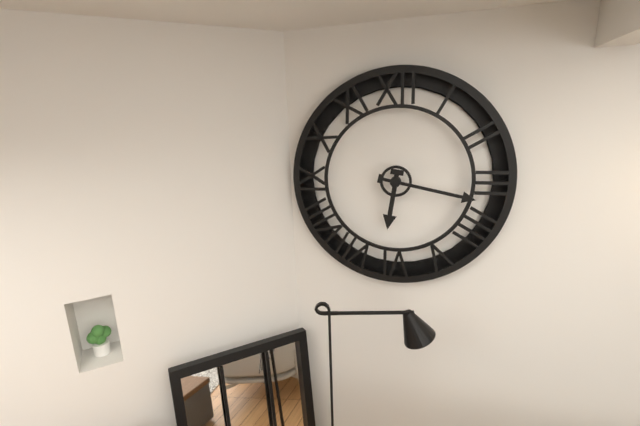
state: 6:17
